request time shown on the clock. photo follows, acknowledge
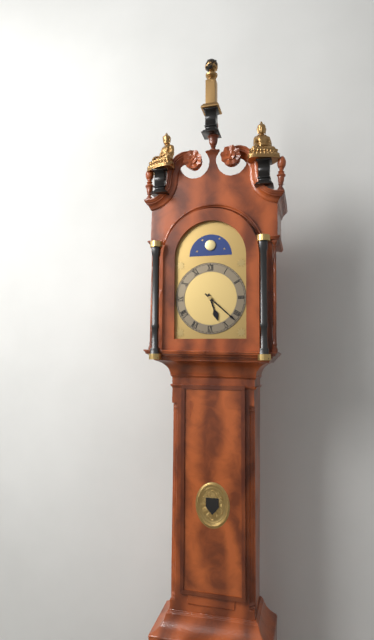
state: 5:22
